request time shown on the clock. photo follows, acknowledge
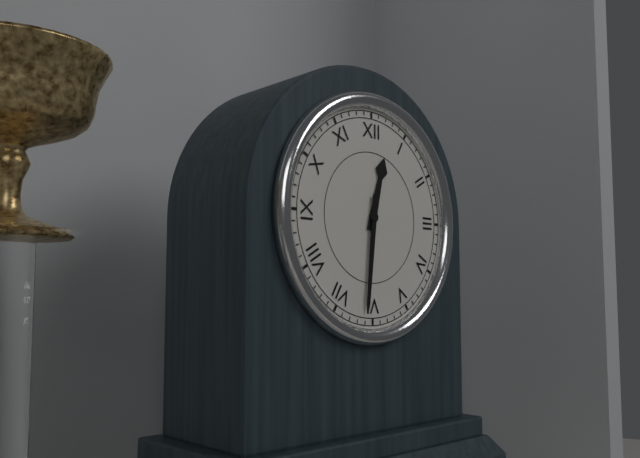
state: 12:31
